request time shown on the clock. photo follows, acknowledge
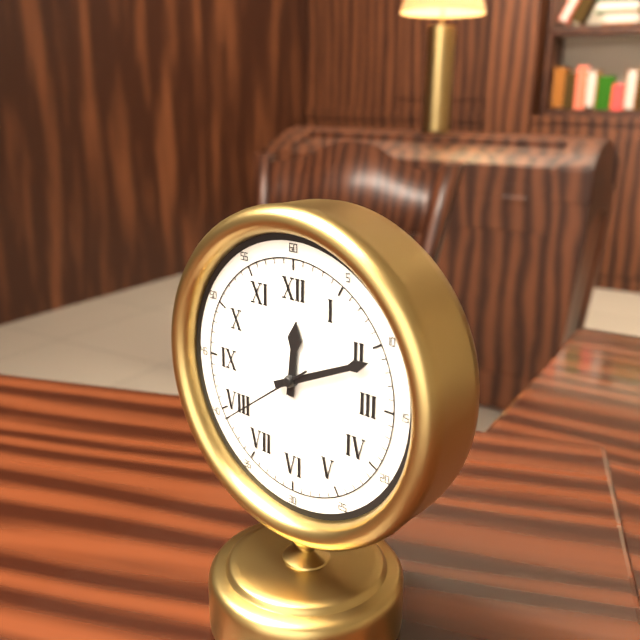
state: 12:11:39
